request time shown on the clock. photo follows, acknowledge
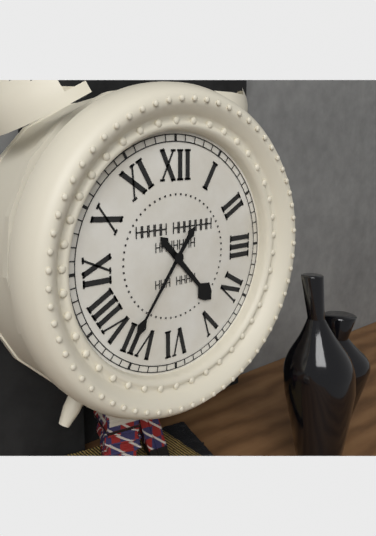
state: 4:36
